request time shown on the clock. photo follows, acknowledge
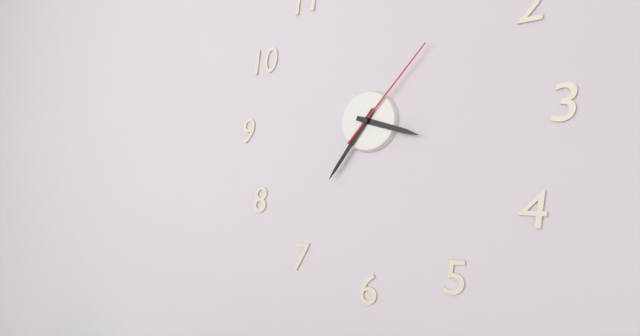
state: 3:36:07
